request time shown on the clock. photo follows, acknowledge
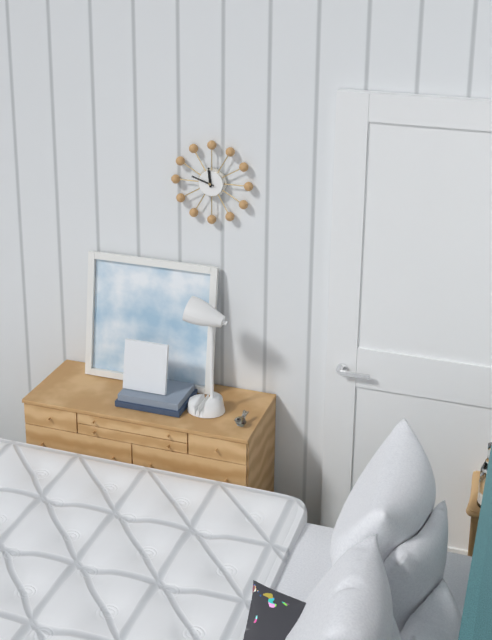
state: 11:48
